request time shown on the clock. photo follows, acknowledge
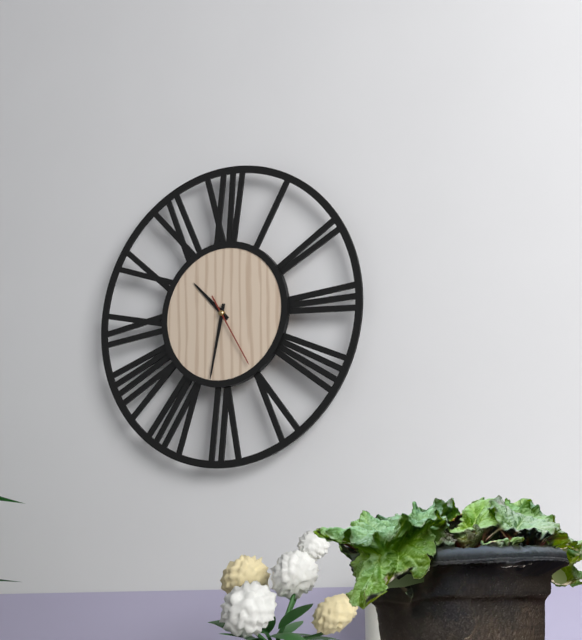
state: 10:32:25
